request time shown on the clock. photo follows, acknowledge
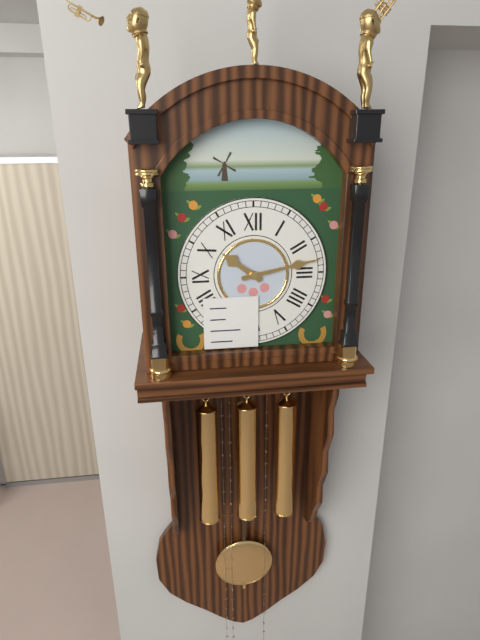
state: 10:13
